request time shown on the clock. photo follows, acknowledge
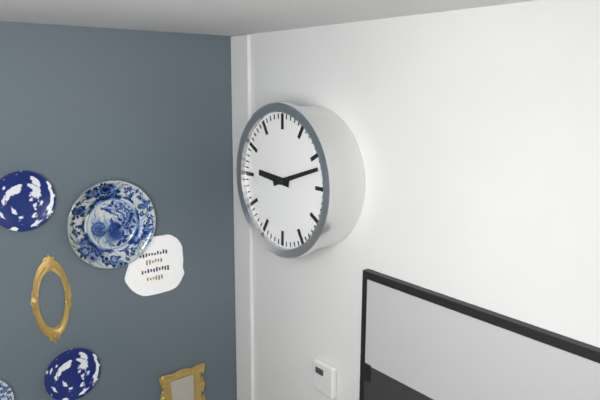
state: 9:12
